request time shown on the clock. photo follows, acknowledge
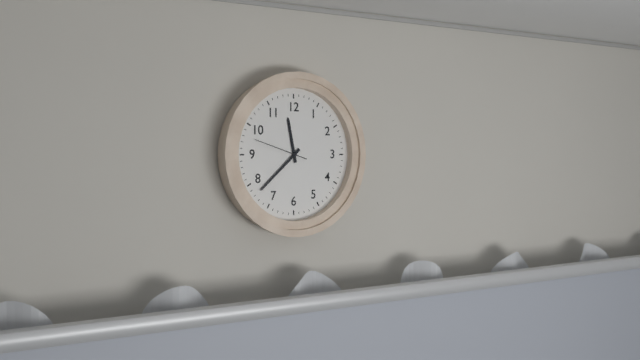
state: 11:38:48
